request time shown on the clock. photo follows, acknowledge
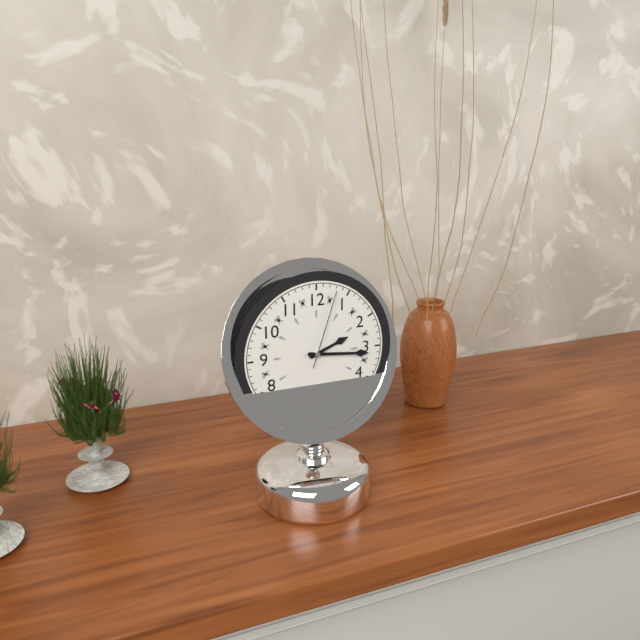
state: 2:16:03
